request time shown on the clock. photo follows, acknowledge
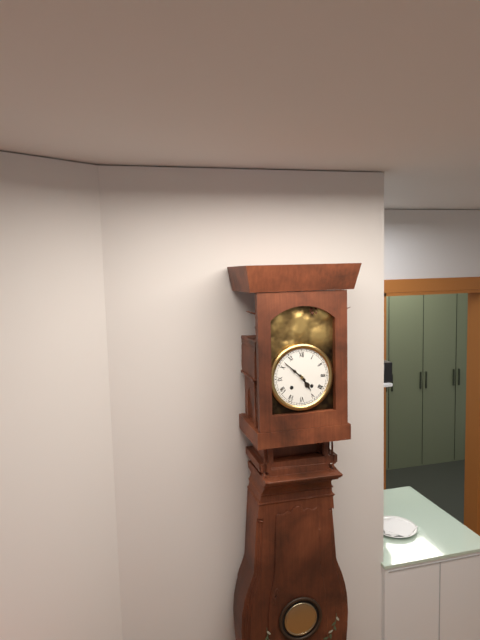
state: 4:52
